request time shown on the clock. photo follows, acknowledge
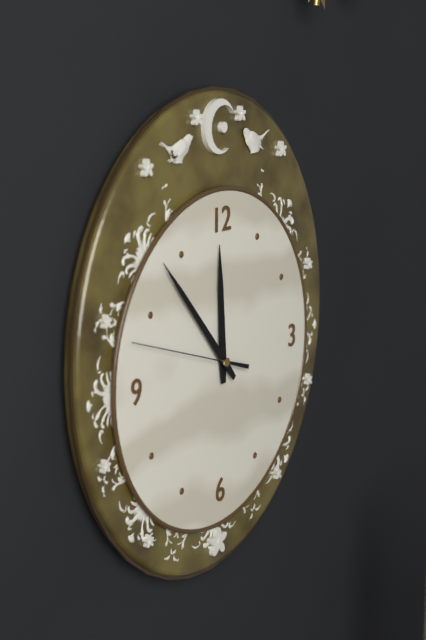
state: 11:53:48
